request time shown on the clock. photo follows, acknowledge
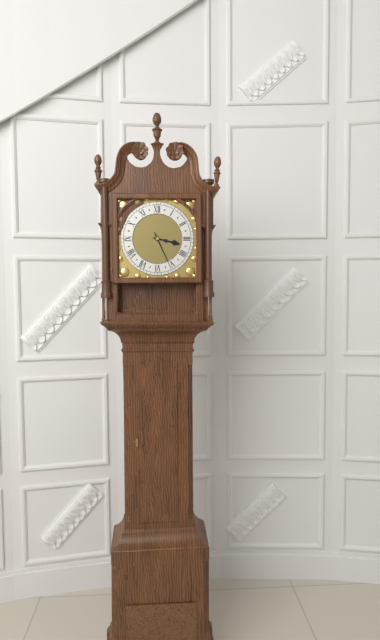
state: 3:26
